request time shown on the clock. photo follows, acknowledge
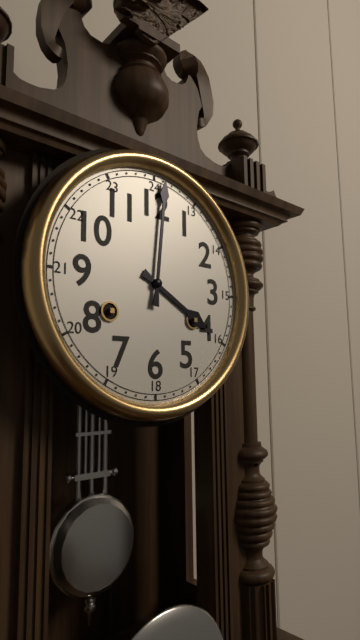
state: 4:01
